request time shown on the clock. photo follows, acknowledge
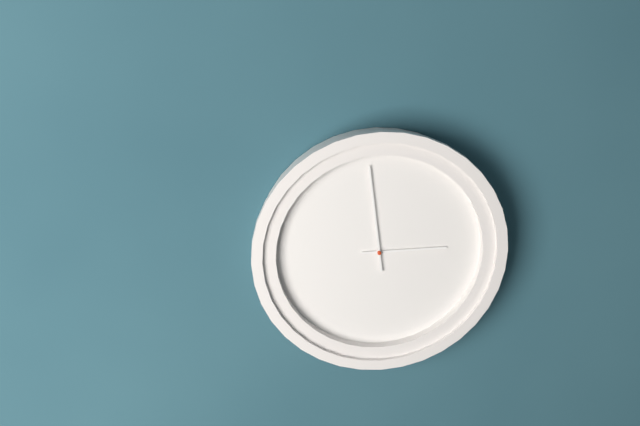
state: 2:59
